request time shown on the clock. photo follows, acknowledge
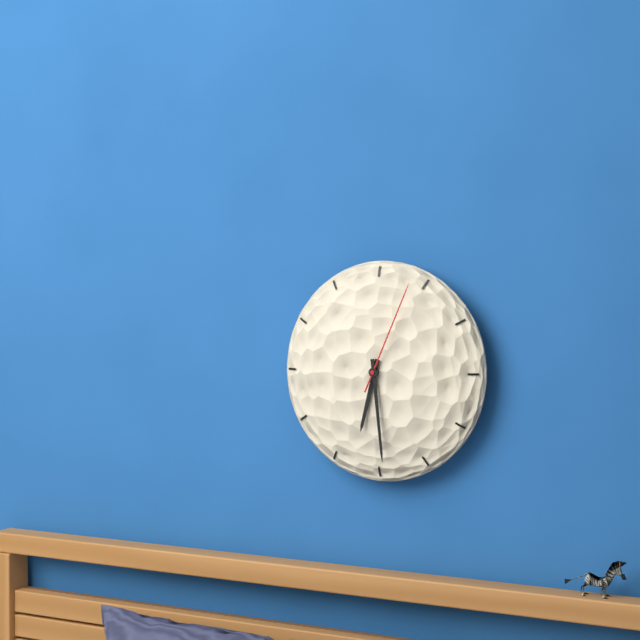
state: 6:29:04
